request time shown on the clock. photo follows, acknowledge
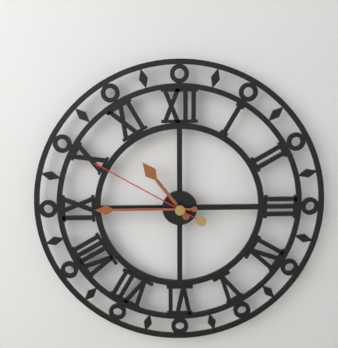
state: 10:45:50
